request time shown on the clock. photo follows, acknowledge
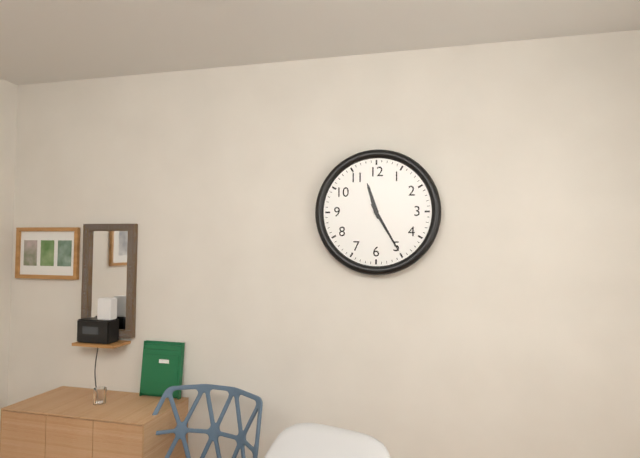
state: 11:25
